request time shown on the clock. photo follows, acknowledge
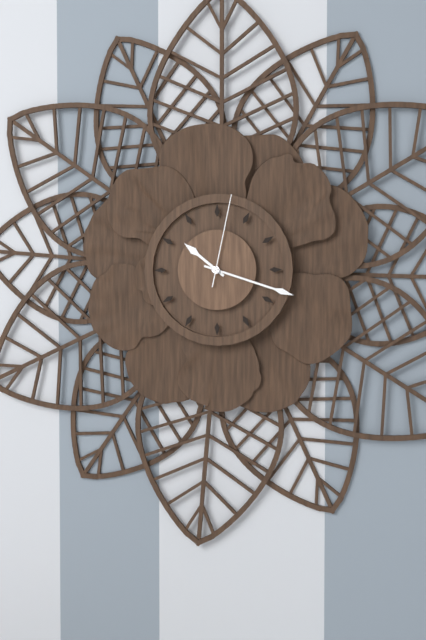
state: 10:18:02
